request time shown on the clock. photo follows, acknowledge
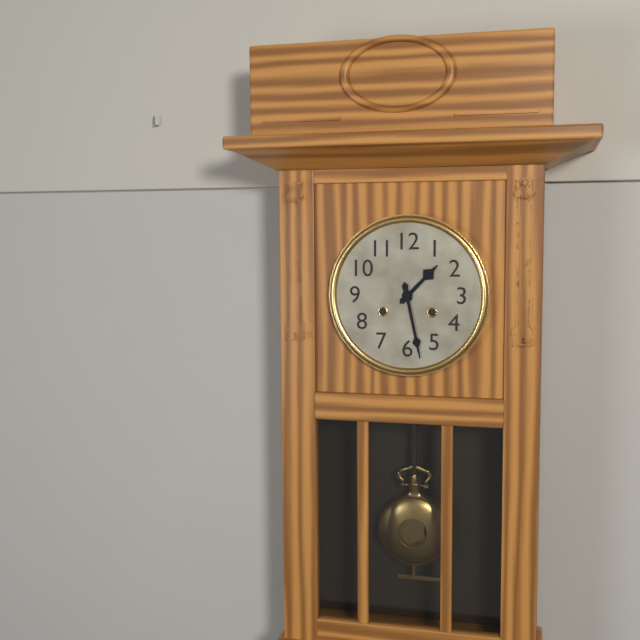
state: 1:28
